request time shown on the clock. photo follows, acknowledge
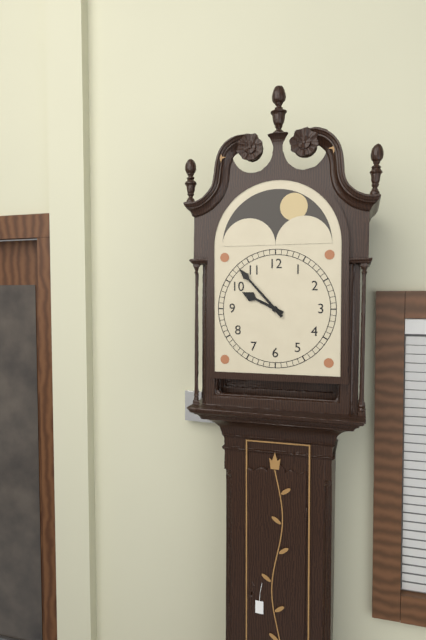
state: 9:53
